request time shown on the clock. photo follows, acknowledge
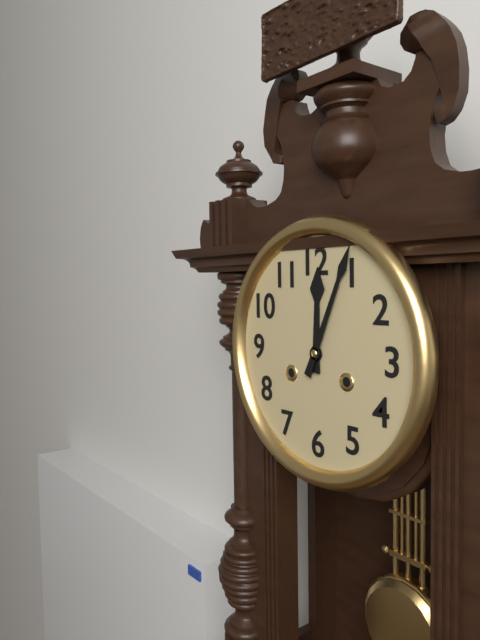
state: 12:04
